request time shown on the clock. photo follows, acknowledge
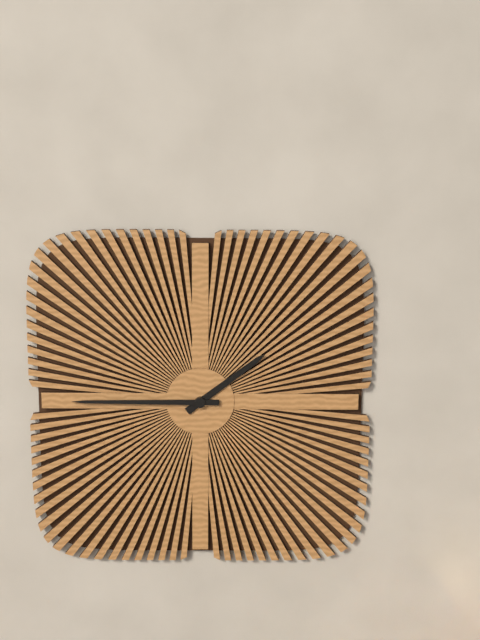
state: 1:45
